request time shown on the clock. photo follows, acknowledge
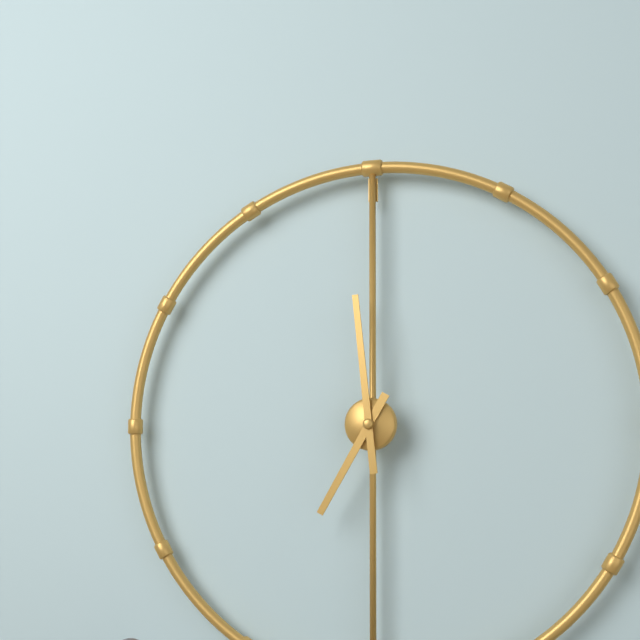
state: 6:59
